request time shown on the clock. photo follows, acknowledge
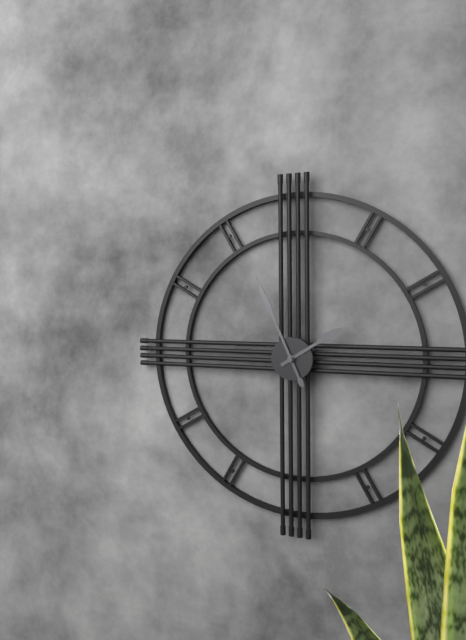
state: 1:56
